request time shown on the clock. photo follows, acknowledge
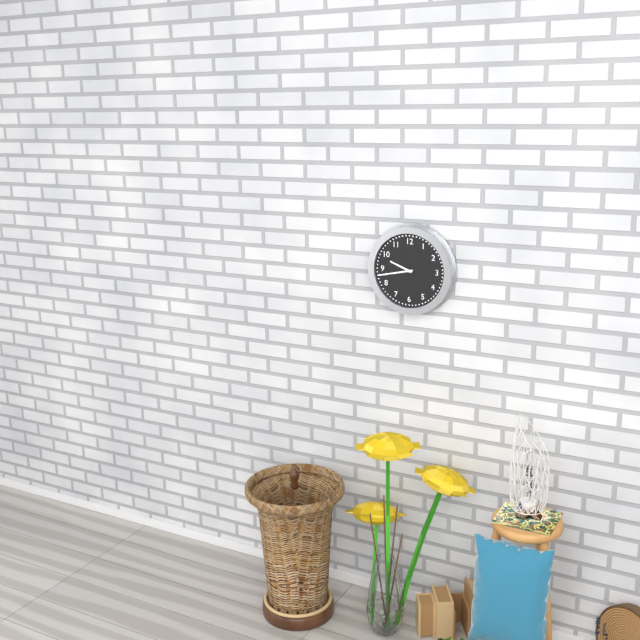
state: 9:43
